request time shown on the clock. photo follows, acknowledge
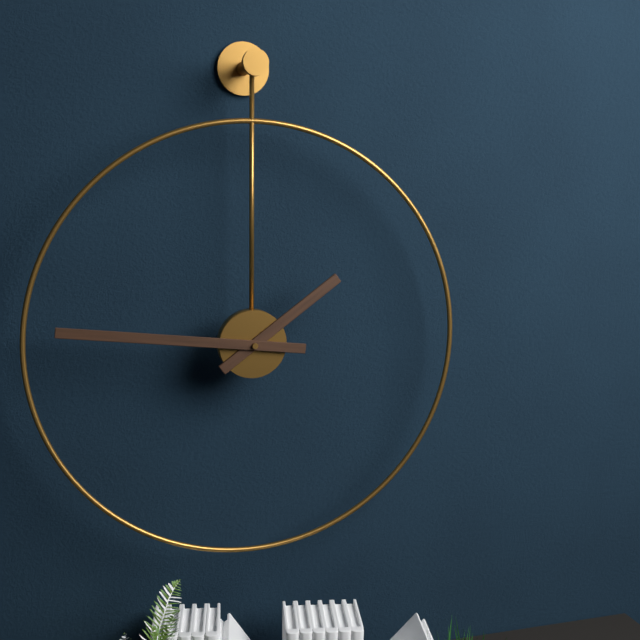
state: 1:46
